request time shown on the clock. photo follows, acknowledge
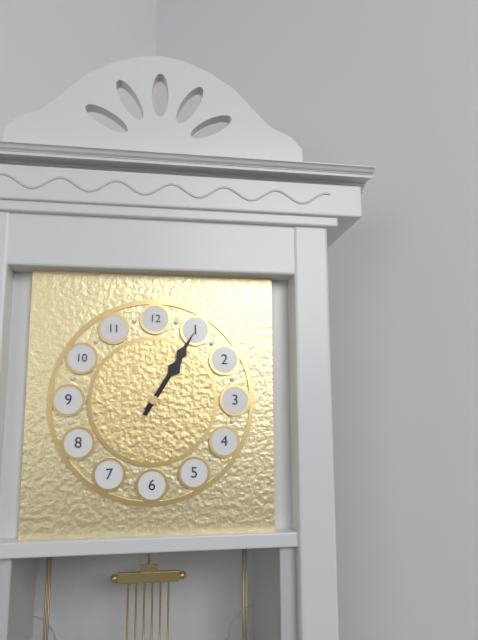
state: 1:05
